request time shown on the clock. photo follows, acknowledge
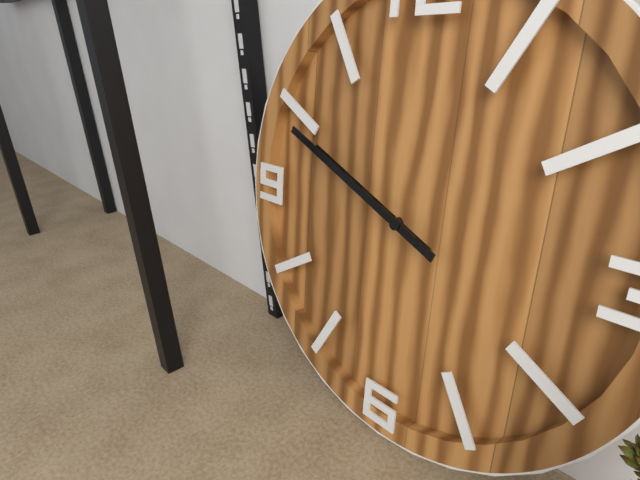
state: 9:49
